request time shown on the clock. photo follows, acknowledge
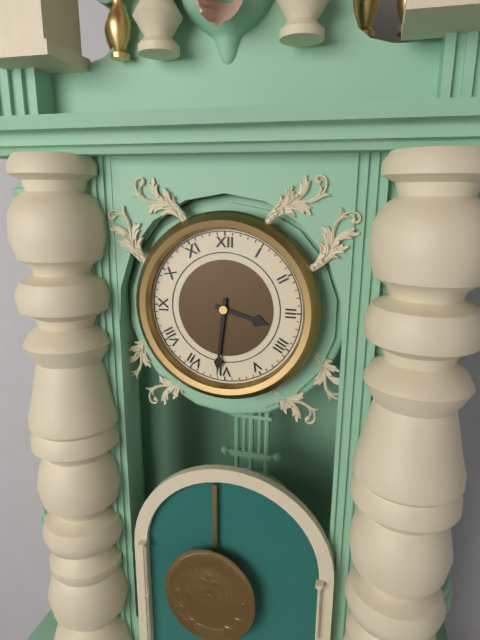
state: 3:31
